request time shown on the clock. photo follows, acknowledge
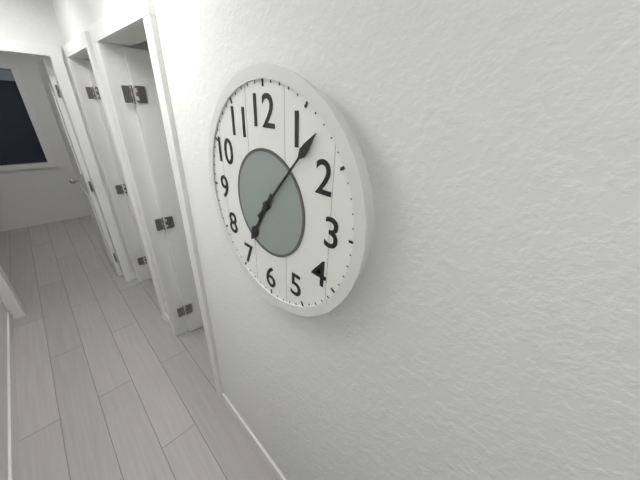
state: 7:07
